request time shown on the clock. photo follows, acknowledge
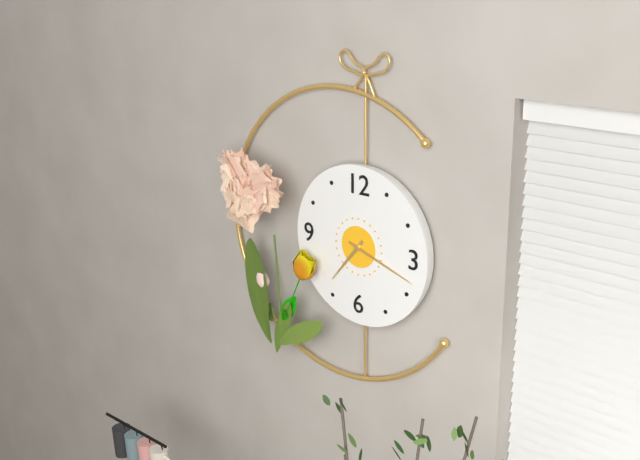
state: 7:18
